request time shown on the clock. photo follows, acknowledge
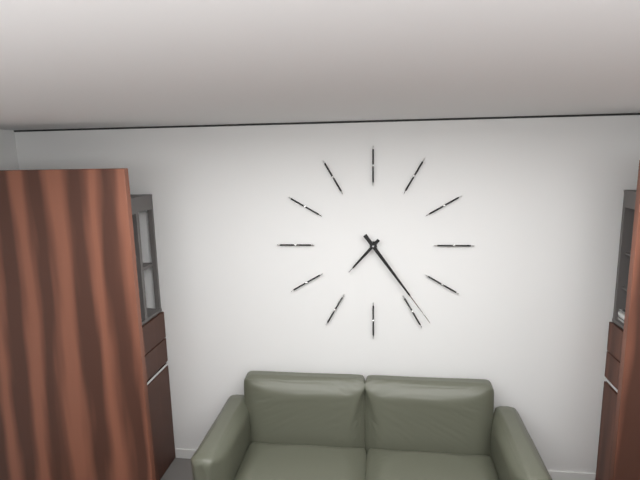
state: 7:24
